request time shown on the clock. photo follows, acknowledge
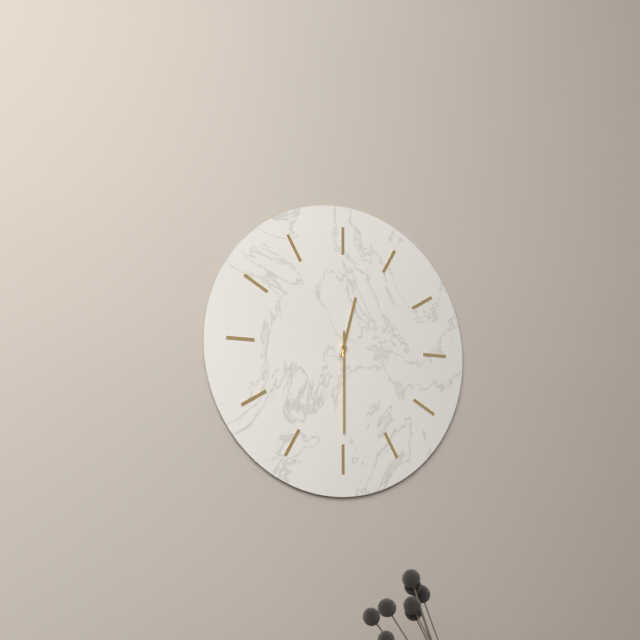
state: 12:30
